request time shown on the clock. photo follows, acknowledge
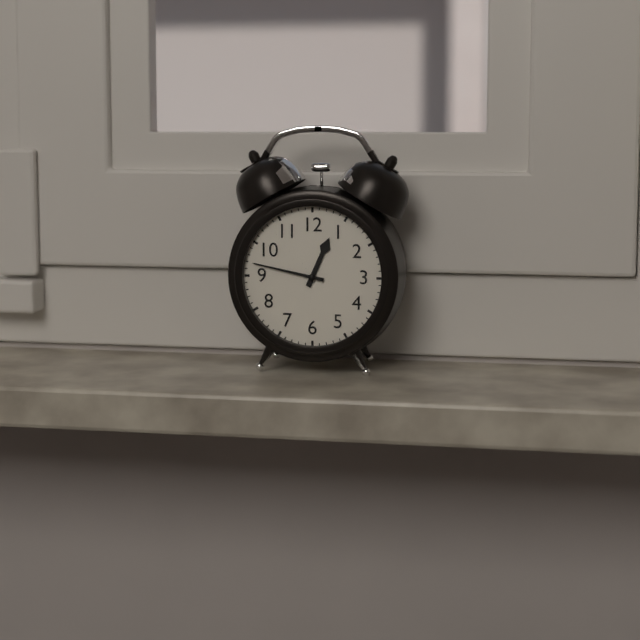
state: 12:47
